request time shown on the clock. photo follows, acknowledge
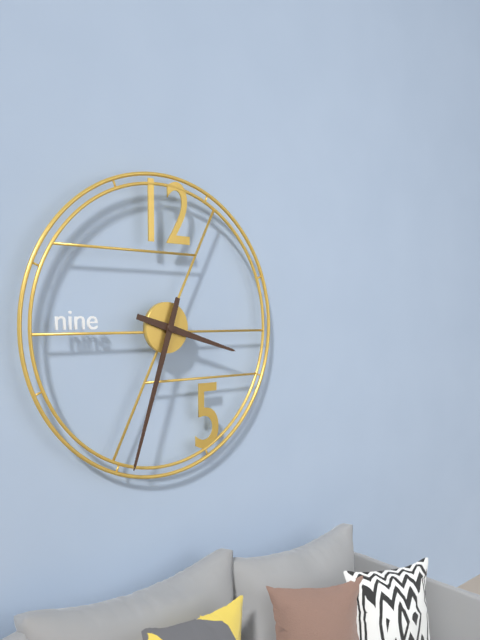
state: 3:33
